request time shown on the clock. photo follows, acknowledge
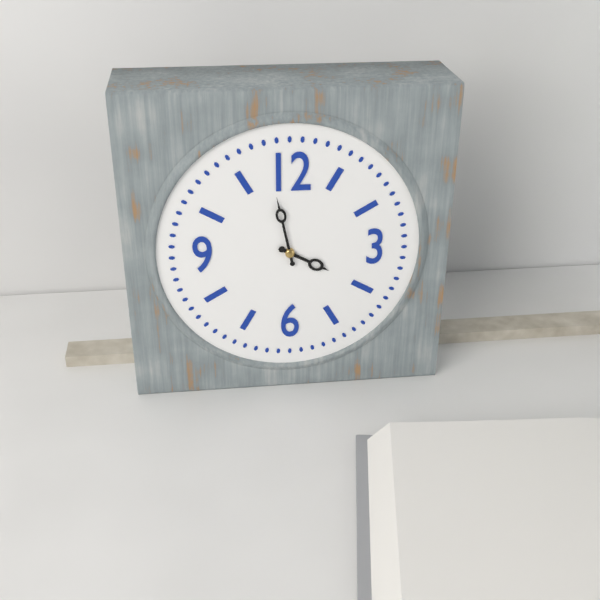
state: 3:58
